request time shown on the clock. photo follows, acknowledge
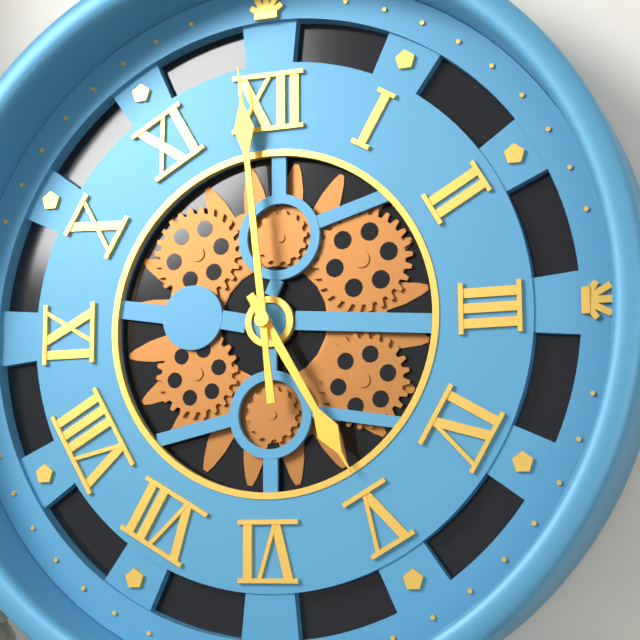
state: 4:59
